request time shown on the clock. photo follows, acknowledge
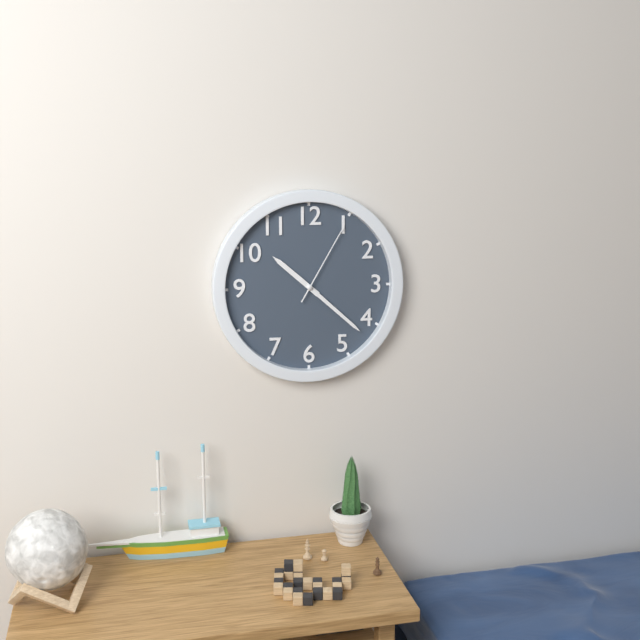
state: 10:22:05
